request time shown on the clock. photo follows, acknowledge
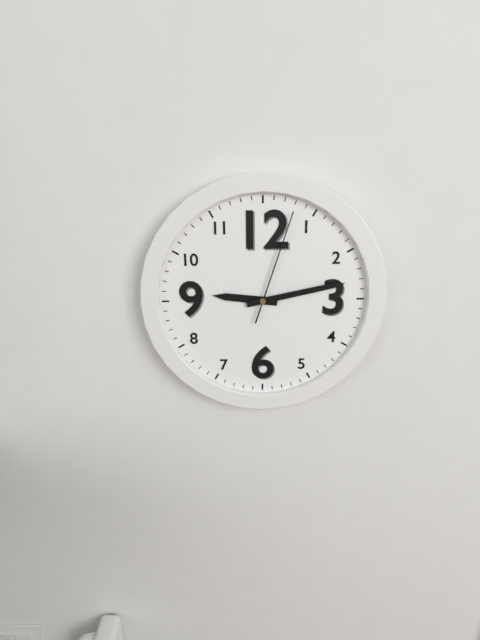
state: 9:13:03
